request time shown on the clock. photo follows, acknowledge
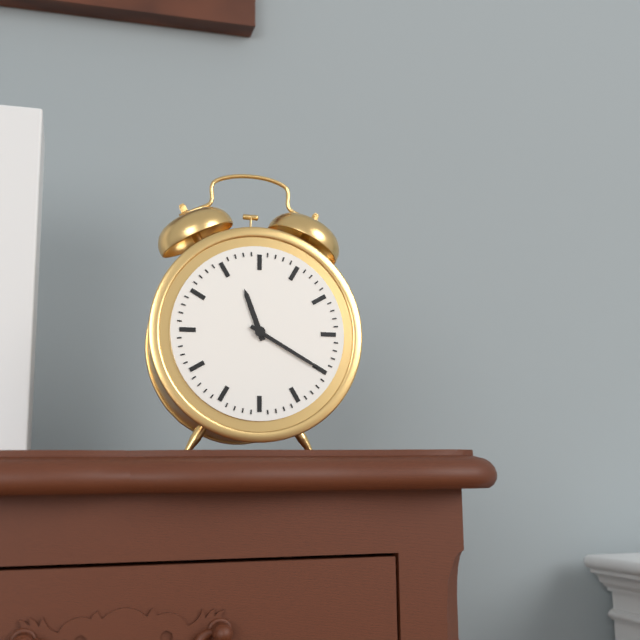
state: 11:20
